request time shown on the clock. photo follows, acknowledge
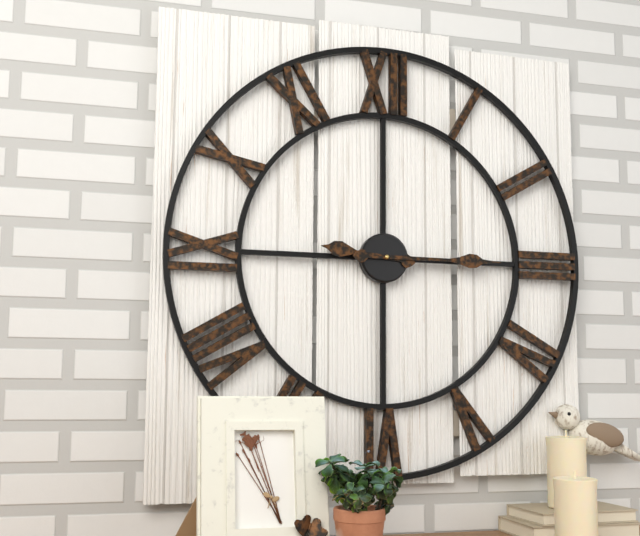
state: 9:15
